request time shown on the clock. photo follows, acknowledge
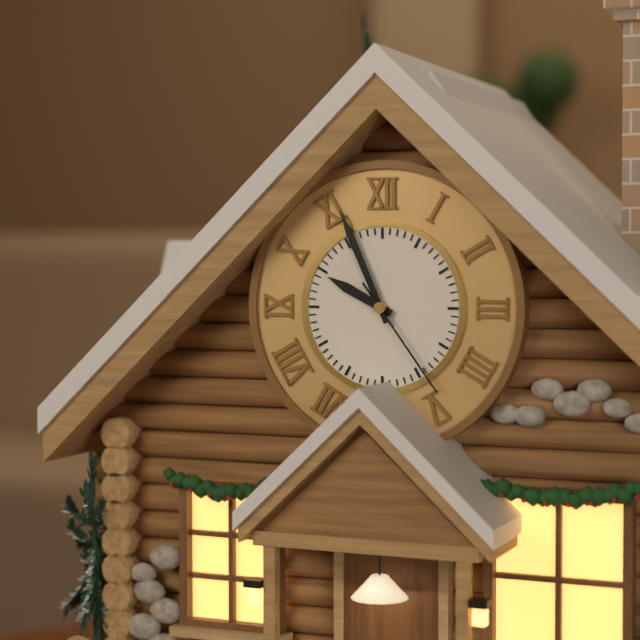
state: 9:56:24
